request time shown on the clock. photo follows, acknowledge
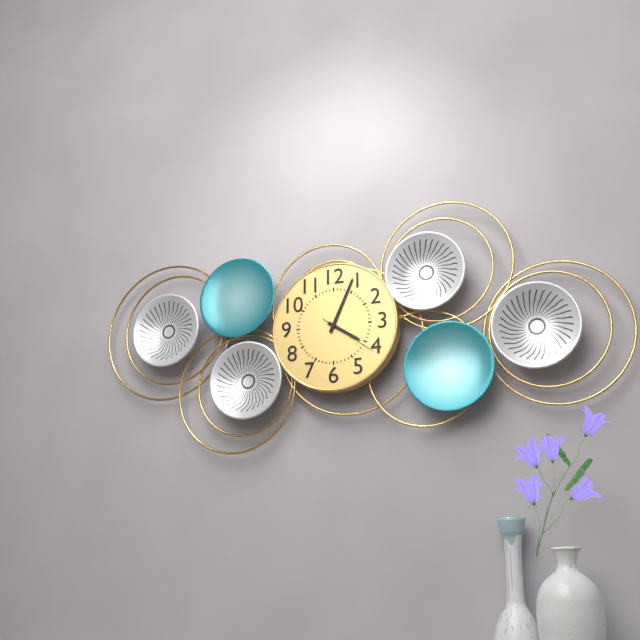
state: 4:04:21
